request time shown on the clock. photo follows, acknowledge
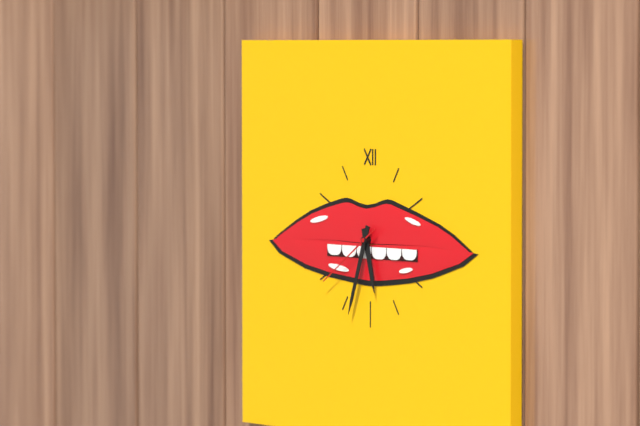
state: 5:33:39
